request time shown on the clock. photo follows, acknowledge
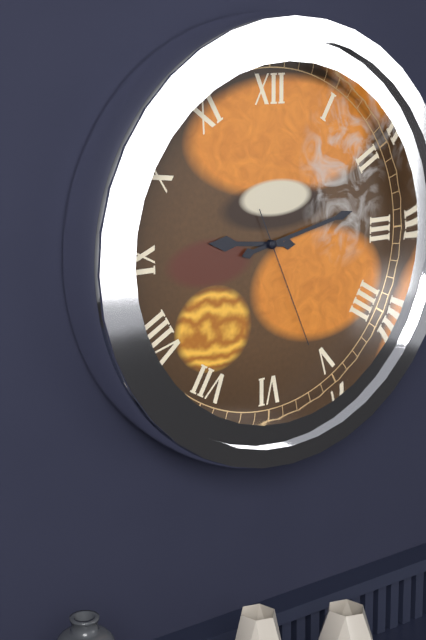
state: 9:13:26
